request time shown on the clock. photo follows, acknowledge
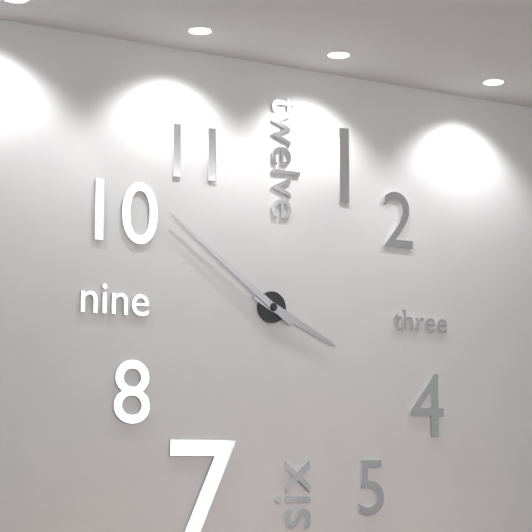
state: 3:51
